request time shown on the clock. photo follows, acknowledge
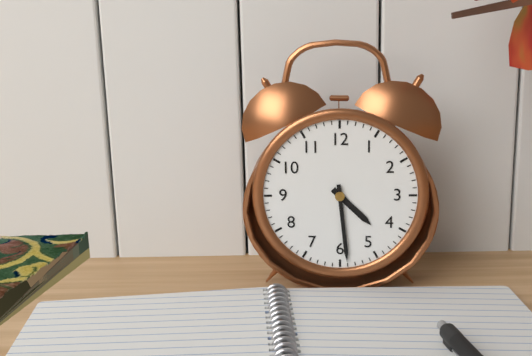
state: 4:29
